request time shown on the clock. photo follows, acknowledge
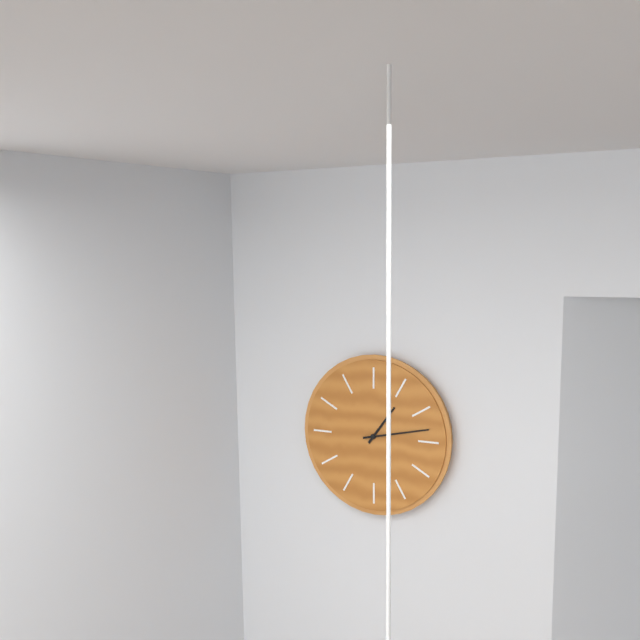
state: 1:13
